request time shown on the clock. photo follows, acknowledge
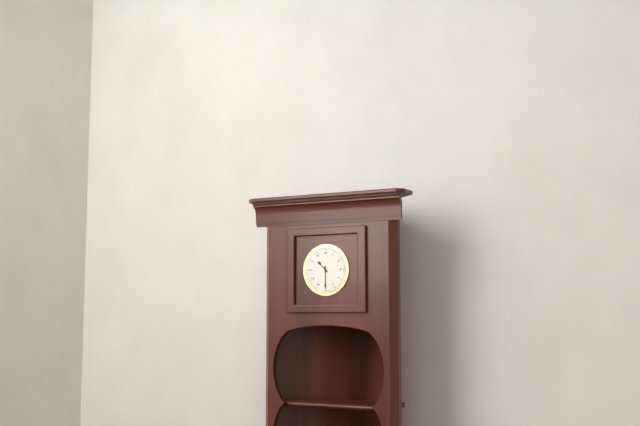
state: 10:30
